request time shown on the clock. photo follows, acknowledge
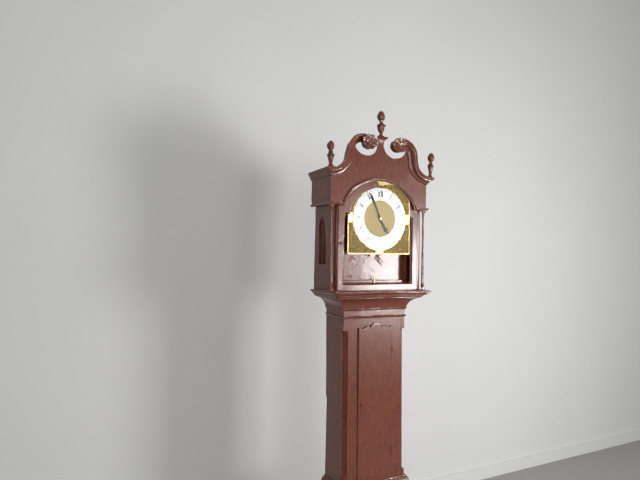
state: 4:56
